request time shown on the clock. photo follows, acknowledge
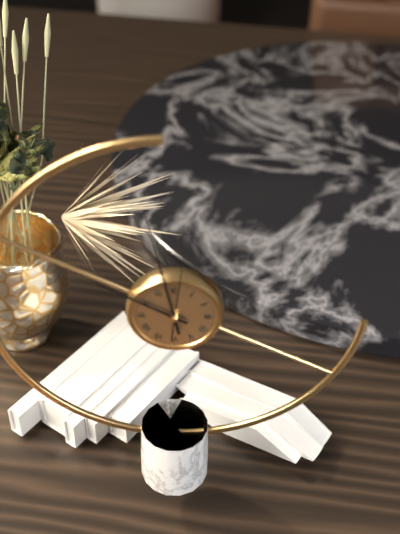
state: 9:58:01
